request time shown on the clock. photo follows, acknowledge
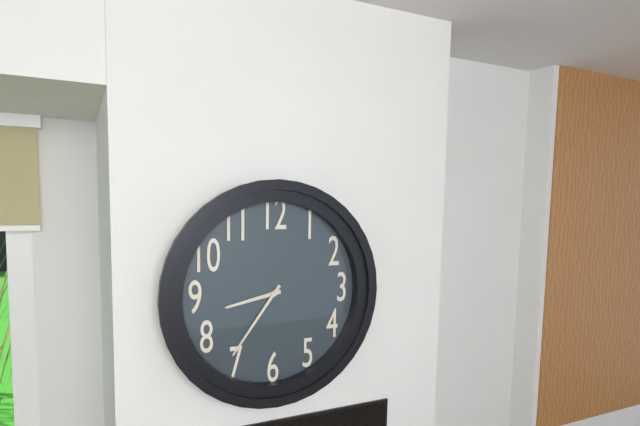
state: 8:36
